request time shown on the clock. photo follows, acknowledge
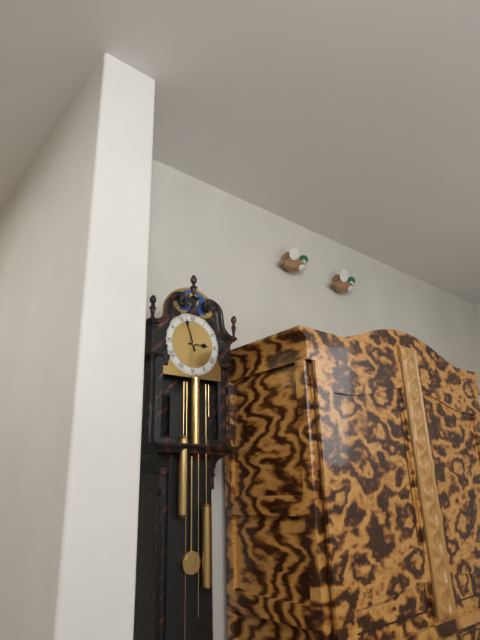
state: 2:57
